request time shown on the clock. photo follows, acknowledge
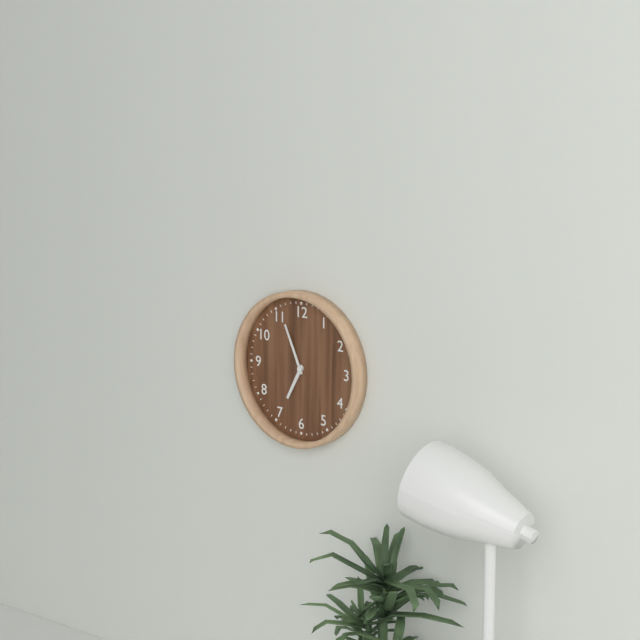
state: 6:56
